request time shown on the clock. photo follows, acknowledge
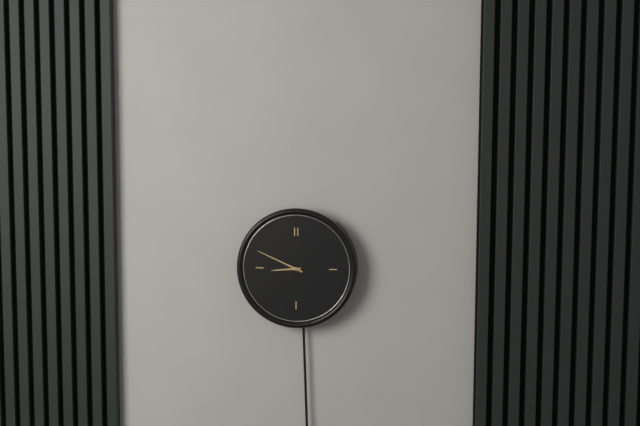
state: 8:49
